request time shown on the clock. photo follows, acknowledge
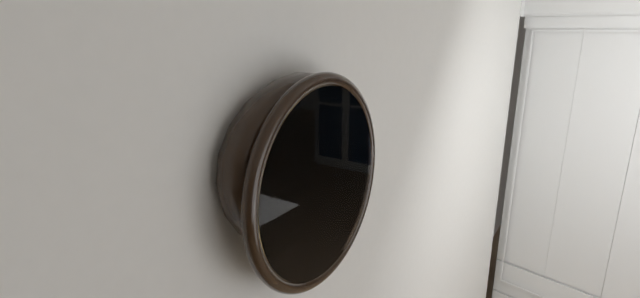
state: 12:39:44
